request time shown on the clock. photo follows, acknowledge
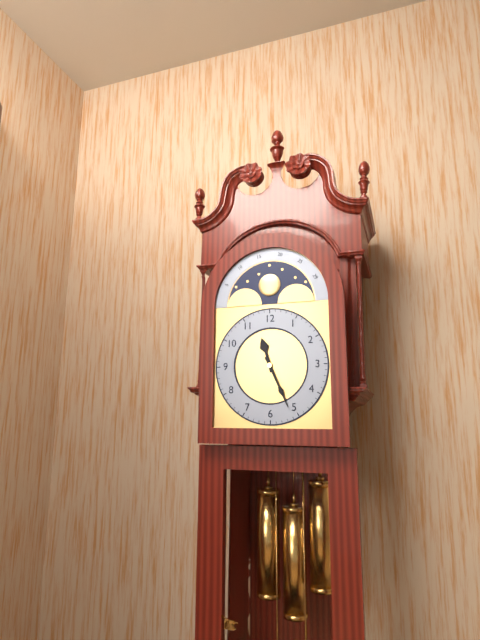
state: 11:26
